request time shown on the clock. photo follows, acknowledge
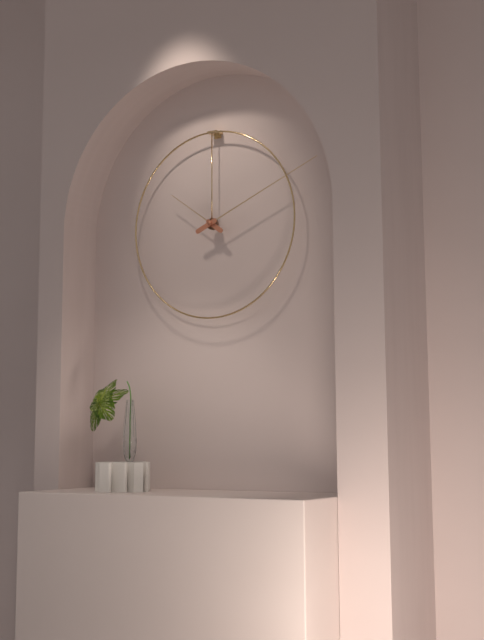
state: 10:11
